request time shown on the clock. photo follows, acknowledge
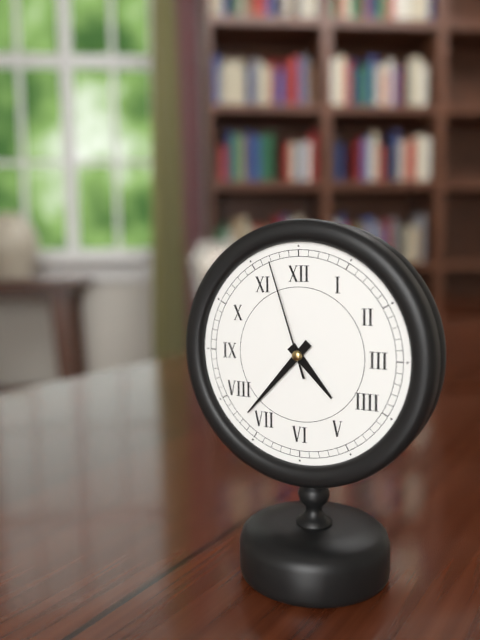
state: 4:37:57
